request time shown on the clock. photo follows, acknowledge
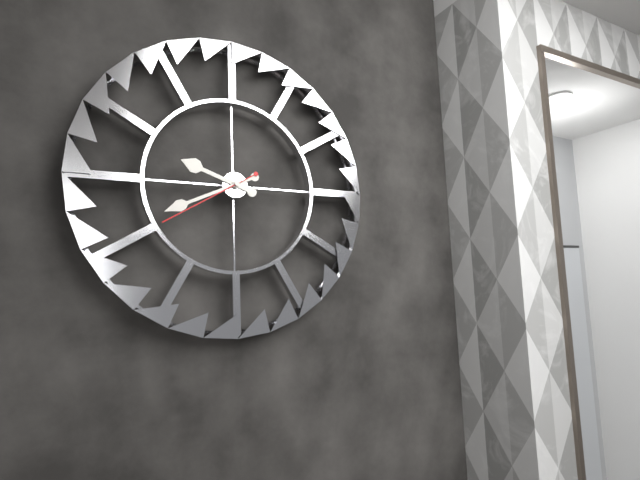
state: 9:41:40
